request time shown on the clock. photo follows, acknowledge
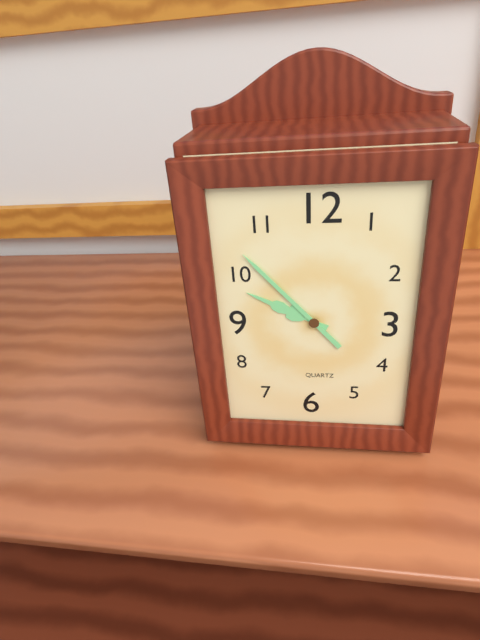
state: 9:53
